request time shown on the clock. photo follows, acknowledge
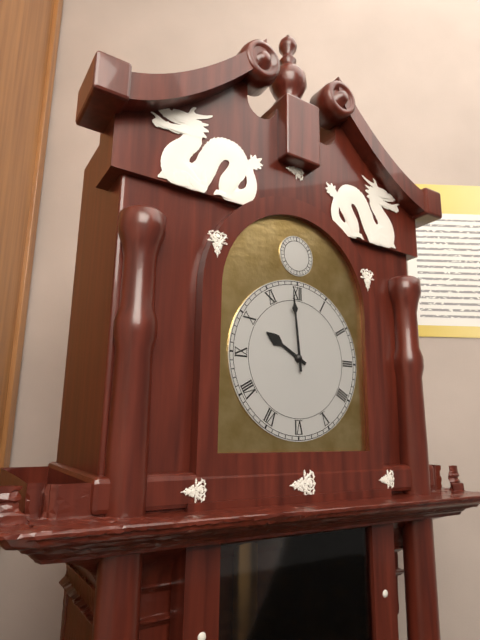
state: 9:59
